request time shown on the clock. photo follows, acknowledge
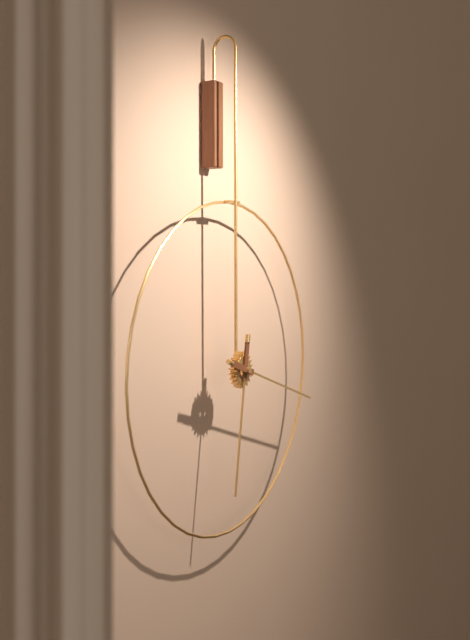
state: 6:18
